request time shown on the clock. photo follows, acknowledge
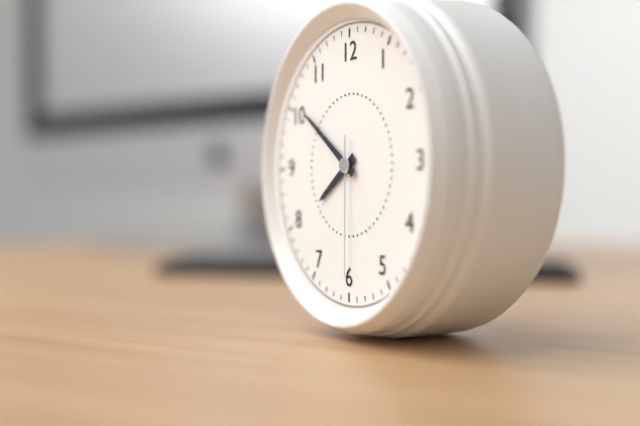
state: 7:51:30
